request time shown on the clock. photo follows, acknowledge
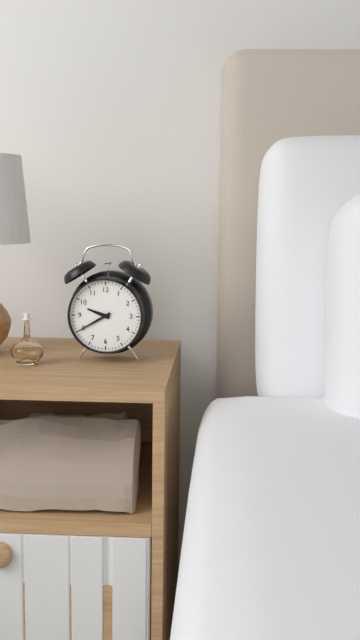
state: 9:40
